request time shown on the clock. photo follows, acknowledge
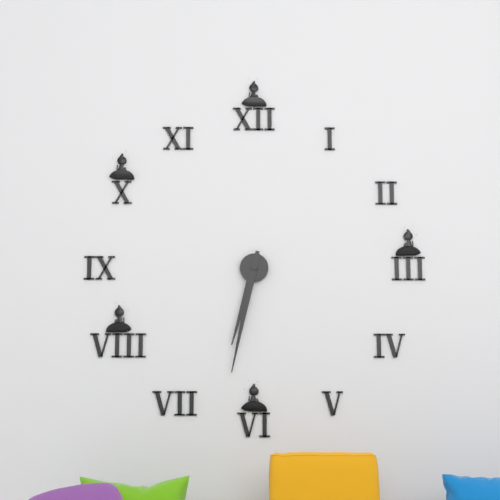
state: 6:32
